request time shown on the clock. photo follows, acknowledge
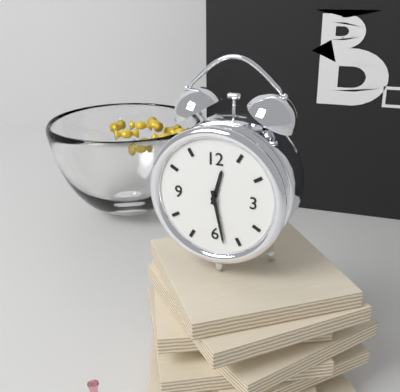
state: 12:28
